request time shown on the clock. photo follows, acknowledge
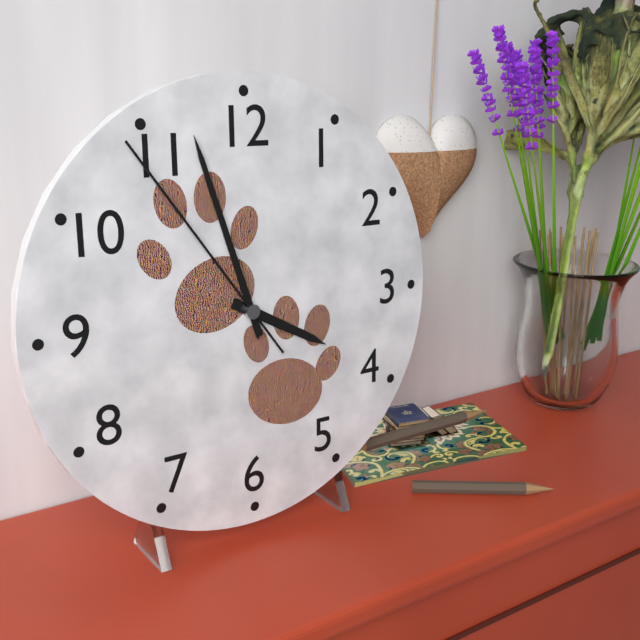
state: 3:57:54
